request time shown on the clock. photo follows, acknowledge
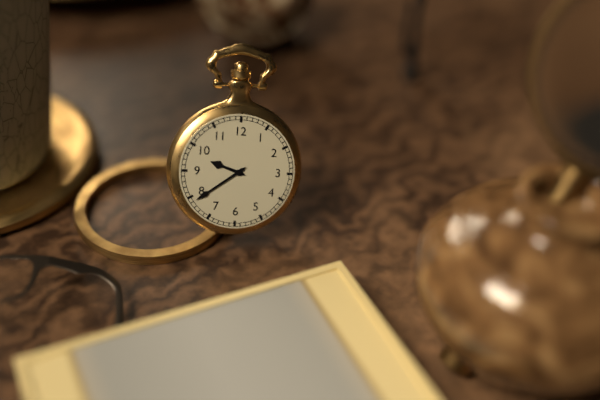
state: 9:39
